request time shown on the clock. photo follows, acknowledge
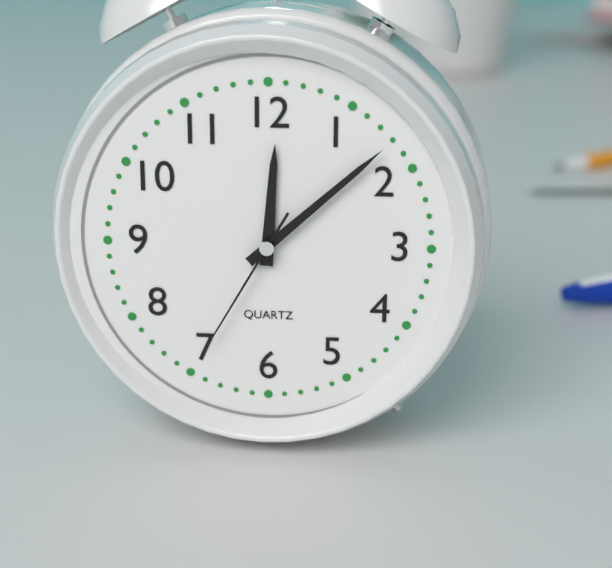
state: 12:08:35
